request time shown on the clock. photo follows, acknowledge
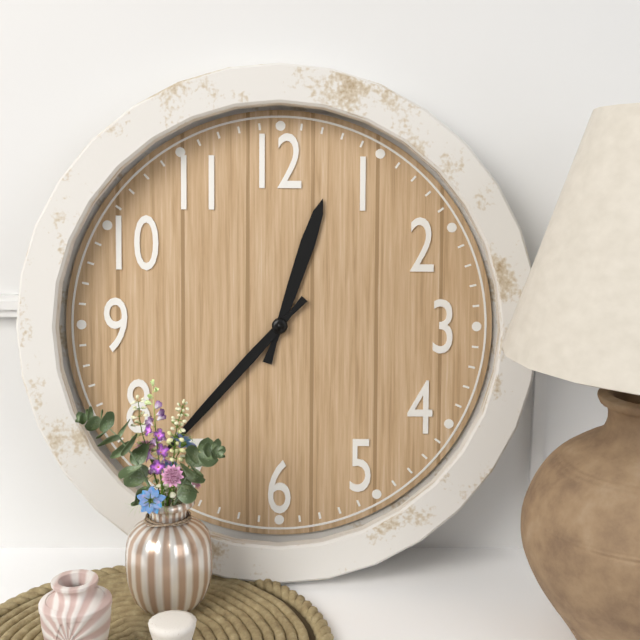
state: 12:37
